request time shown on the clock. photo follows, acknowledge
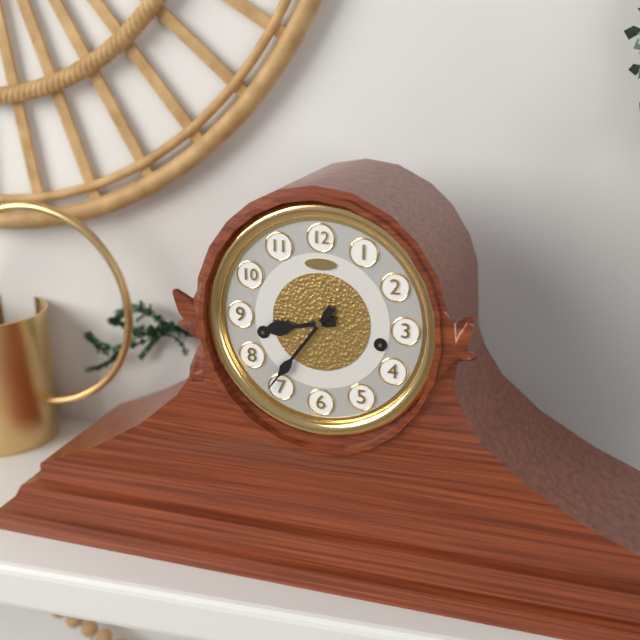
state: 8:36
